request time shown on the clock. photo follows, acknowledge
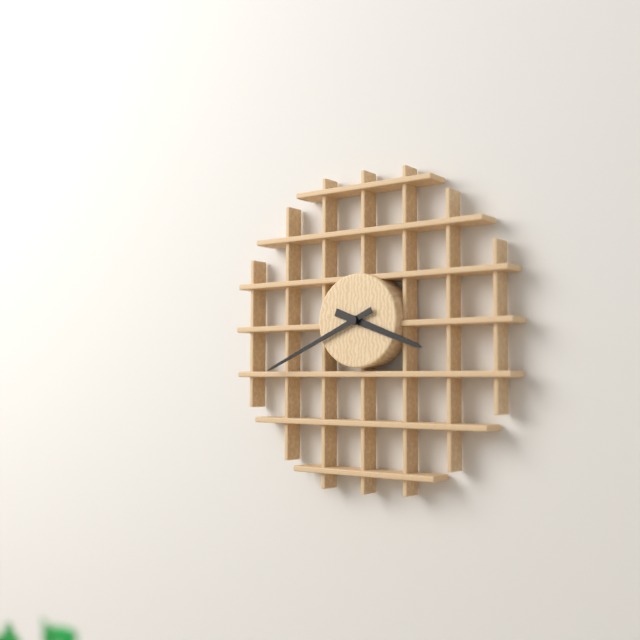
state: 3:41
